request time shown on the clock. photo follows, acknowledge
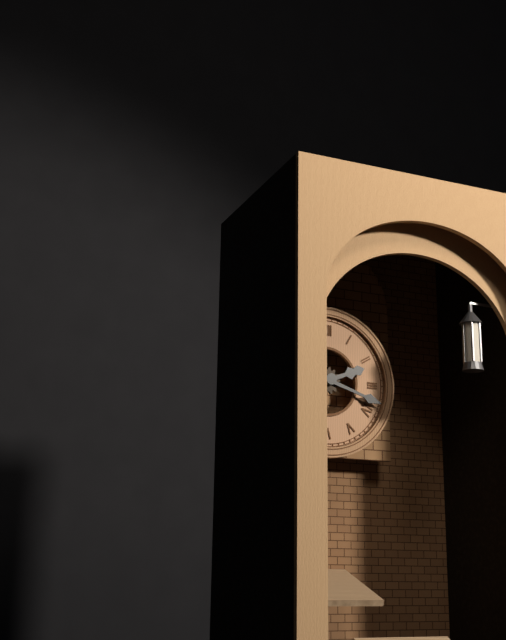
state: 2:18
